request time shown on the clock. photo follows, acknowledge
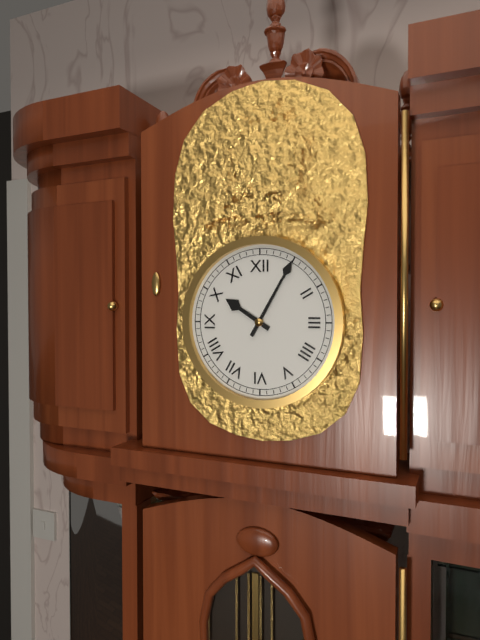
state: 10:05
